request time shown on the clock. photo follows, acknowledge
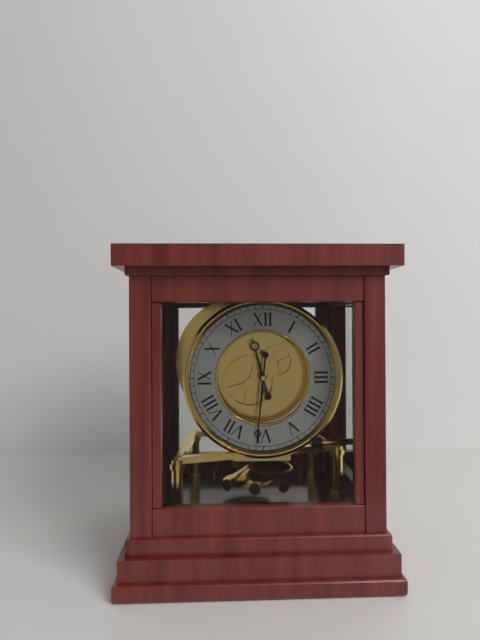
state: 11:31
